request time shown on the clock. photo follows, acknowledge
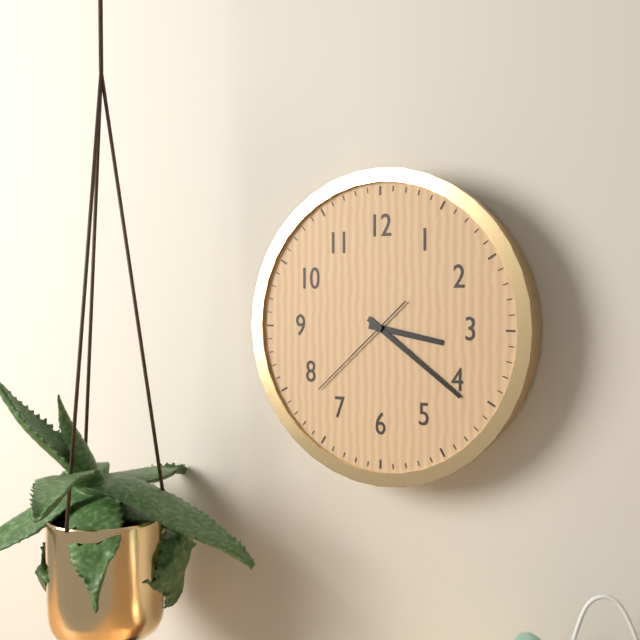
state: 3:21:38
